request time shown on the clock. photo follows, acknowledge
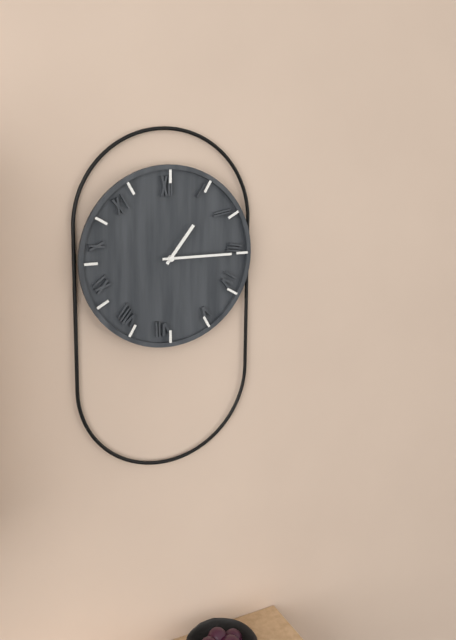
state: 1:15
